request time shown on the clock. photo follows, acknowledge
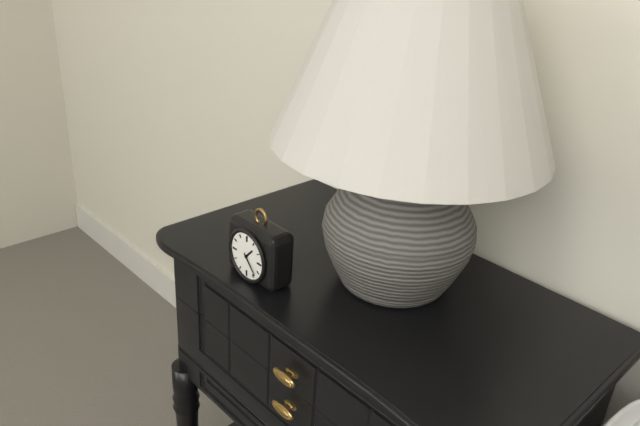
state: 1:23
